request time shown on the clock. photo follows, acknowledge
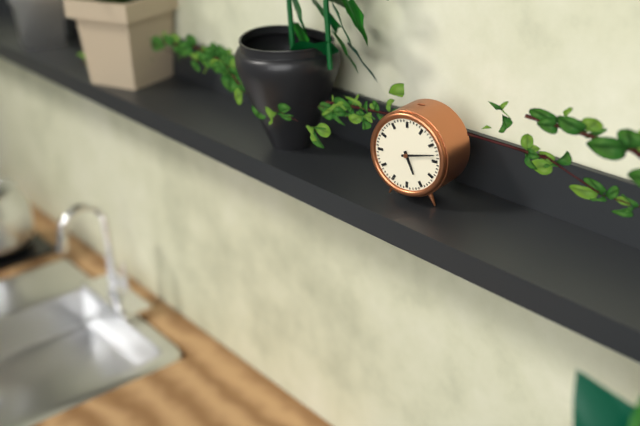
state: 5:13
